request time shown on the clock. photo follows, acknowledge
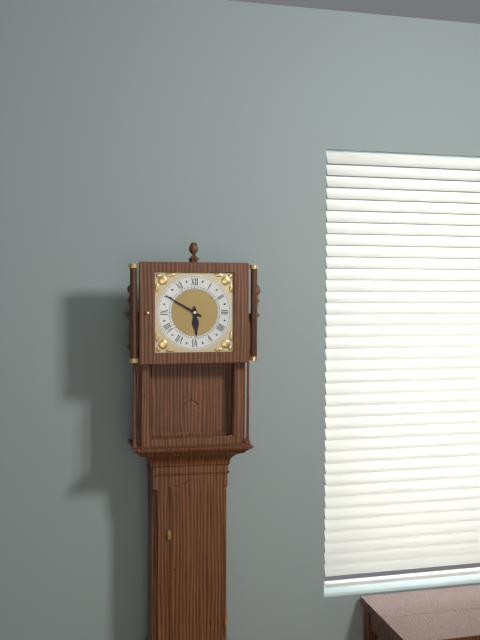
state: 5:50
